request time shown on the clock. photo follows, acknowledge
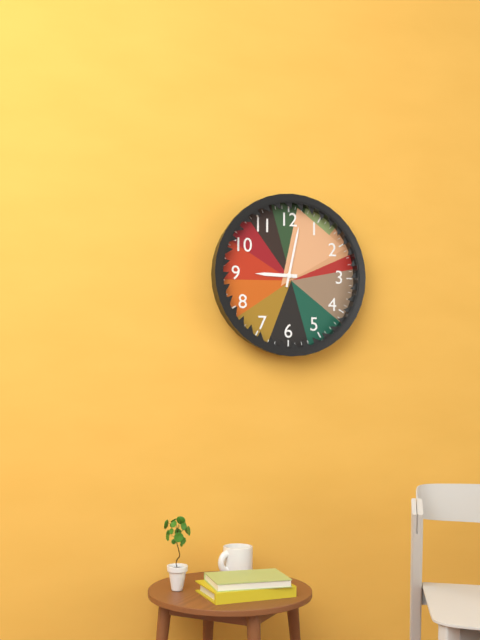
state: 9:02
